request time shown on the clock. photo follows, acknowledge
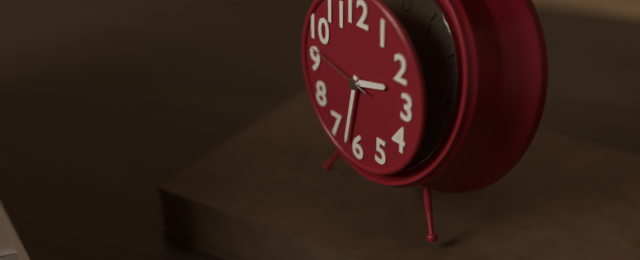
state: 2:32:47
